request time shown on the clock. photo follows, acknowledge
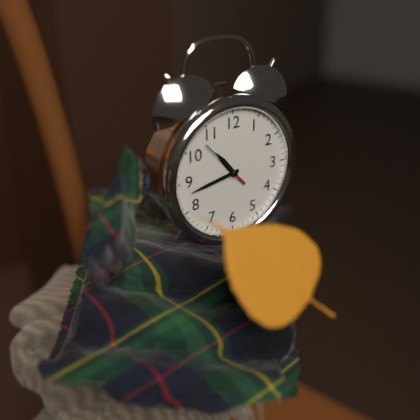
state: 10:43
